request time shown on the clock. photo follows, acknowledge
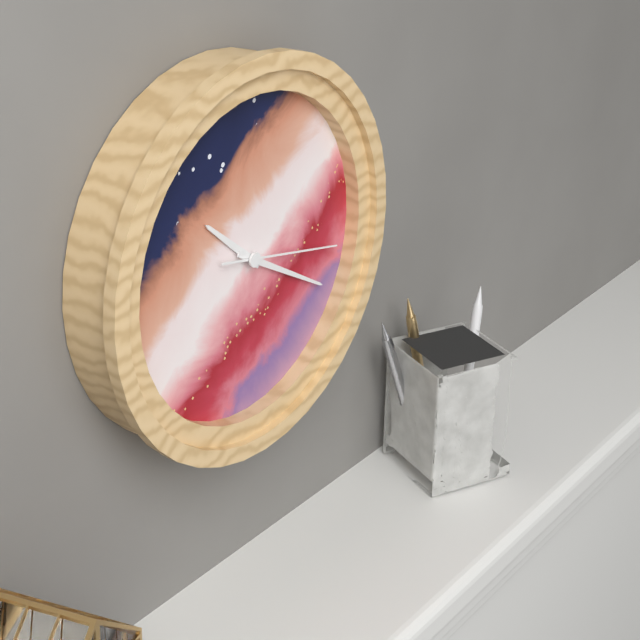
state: 10:20:17
